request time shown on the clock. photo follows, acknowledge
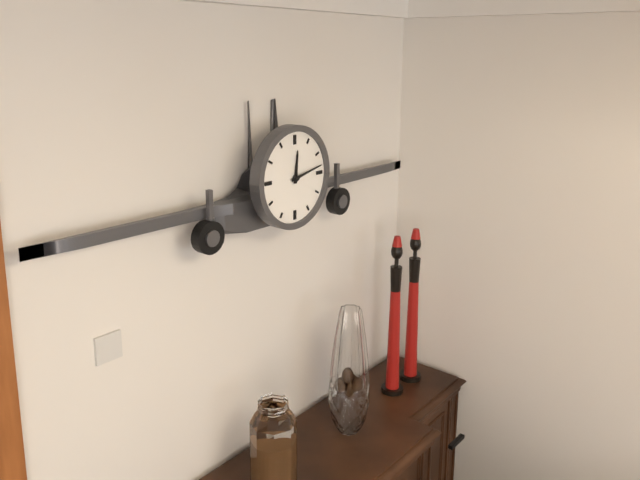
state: 12:13
